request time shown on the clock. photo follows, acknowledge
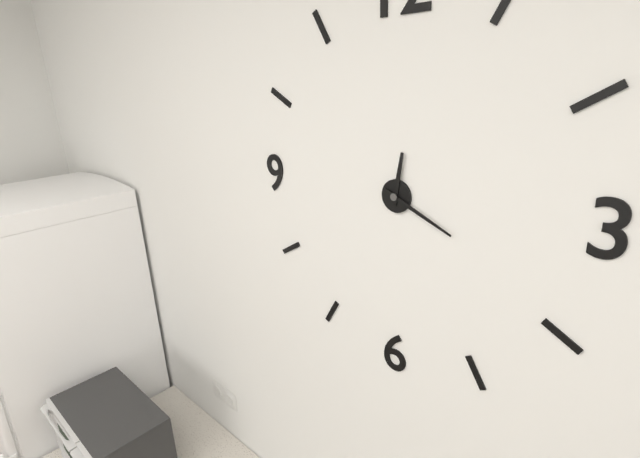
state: 12:19
